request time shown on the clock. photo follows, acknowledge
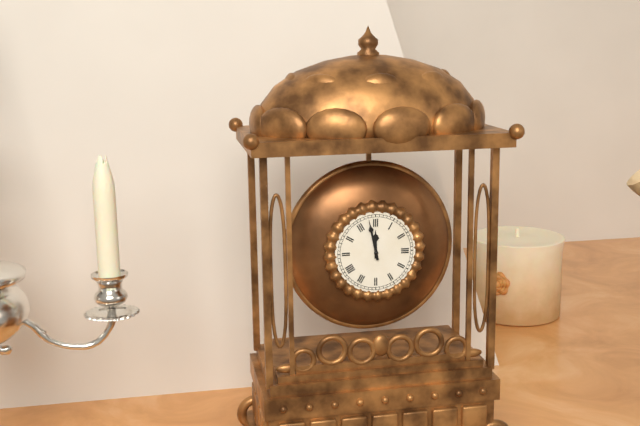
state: 11:58
